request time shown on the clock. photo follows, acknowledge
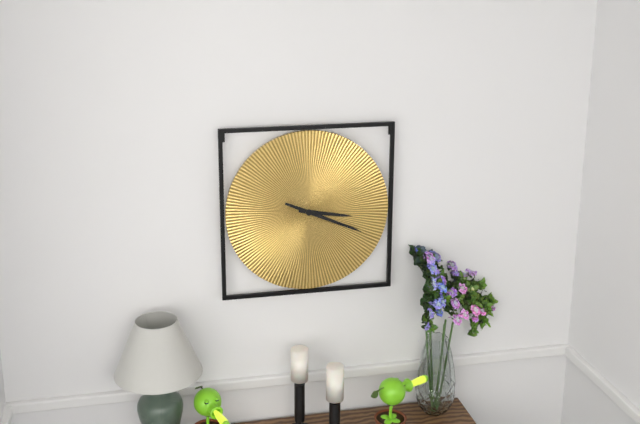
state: 3:19
